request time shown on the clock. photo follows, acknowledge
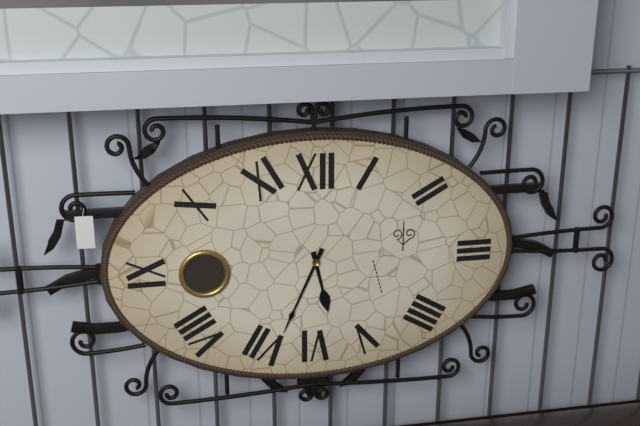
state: 5:34
